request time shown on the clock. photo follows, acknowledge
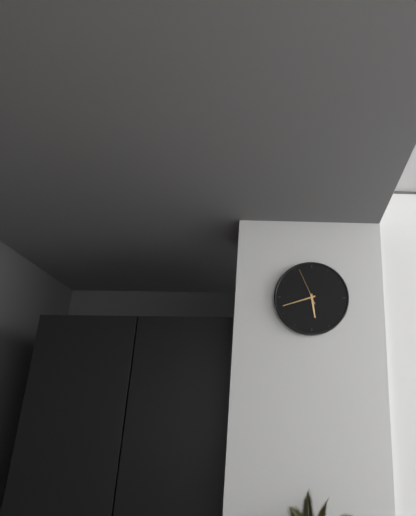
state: 5:42
